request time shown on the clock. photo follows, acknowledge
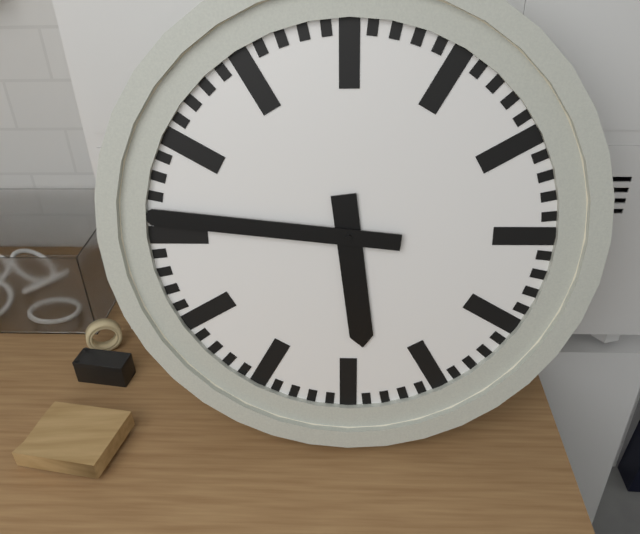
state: 5:46
